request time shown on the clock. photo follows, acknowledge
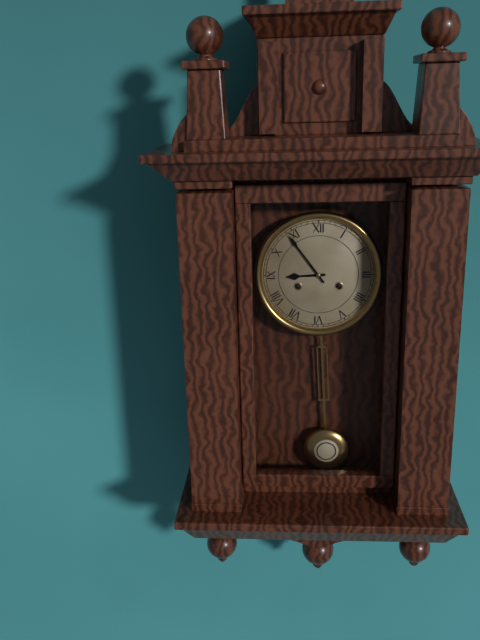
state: 8:54
